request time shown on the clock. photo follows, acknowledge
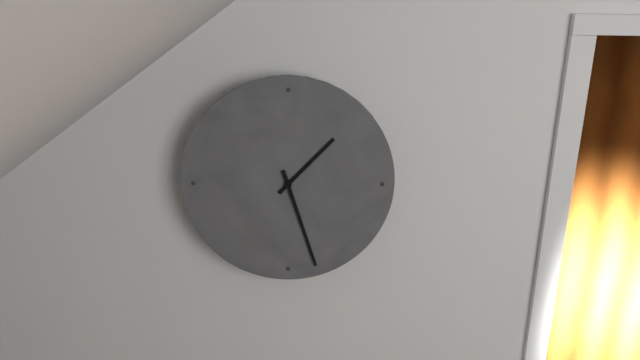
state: 1:27
